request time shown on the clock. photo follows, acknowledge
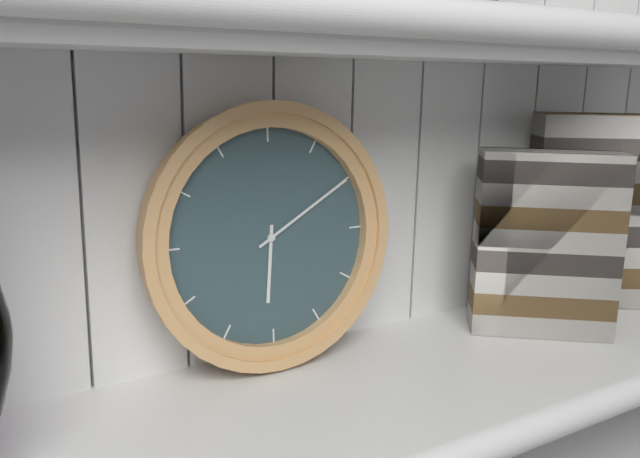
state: 6:10
